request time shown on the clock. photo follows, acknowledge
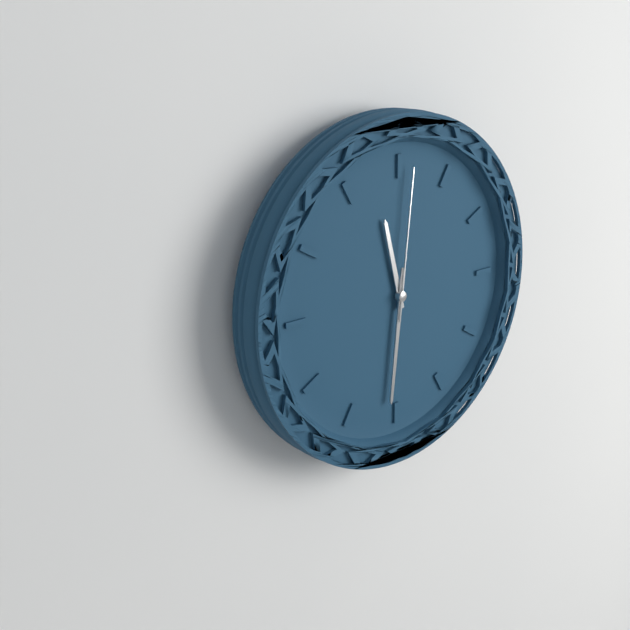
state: 11:31:01
